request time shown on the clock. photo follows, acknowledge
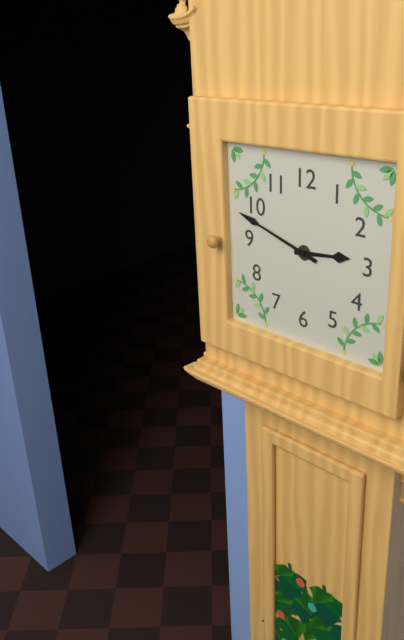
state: 2:48
